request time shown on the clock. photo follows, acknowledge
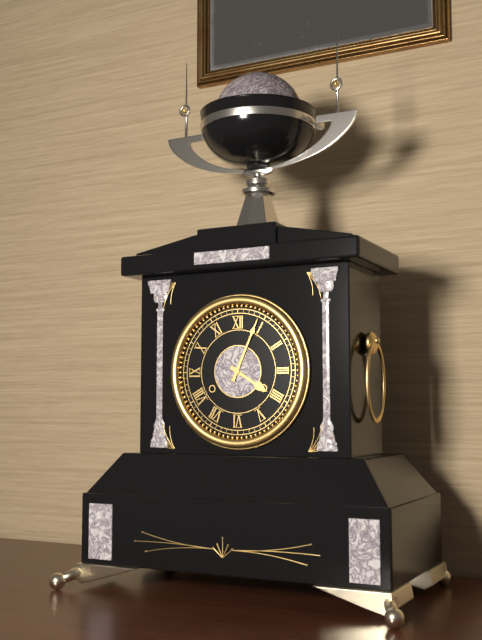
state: 4:04
